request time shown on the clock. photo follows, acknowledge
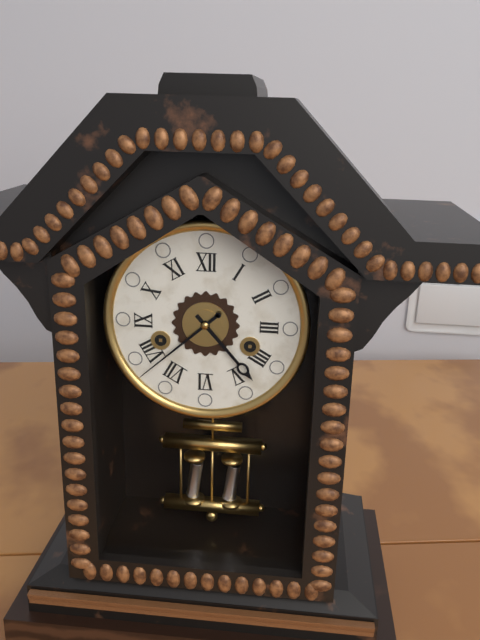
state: 4:38
